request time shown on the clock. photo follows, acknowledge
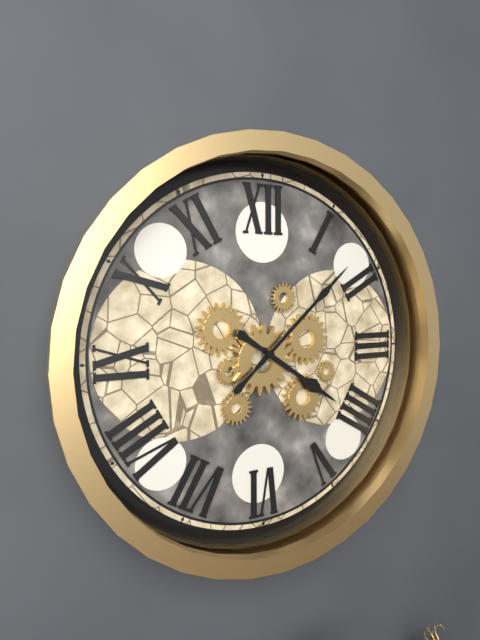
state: 4:08
